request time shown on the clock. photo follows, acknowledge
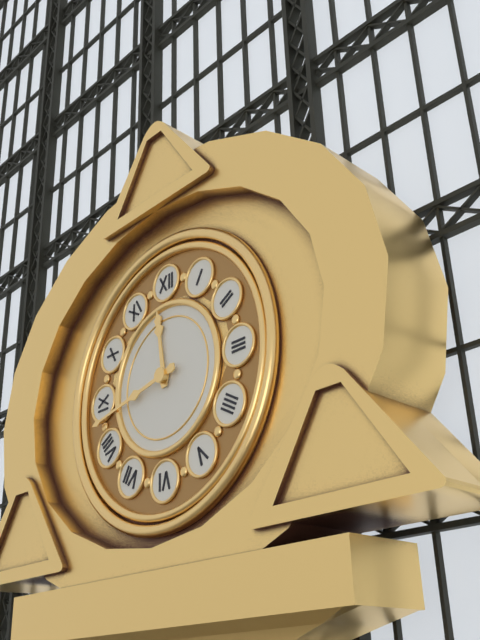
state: 11:43
